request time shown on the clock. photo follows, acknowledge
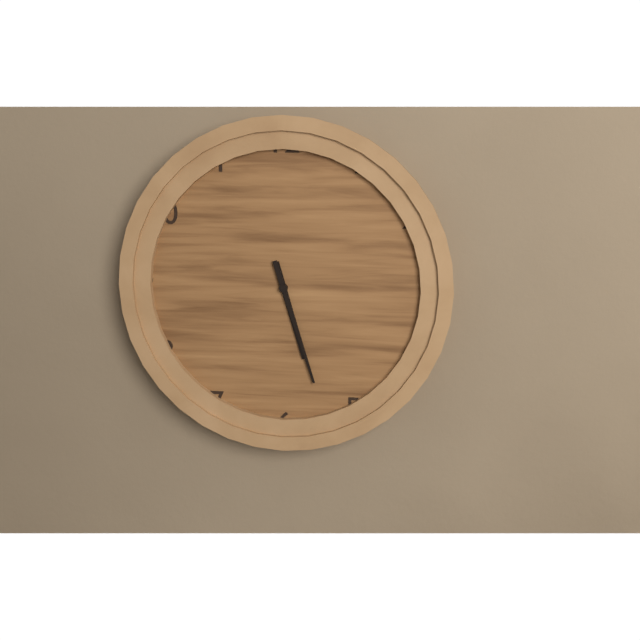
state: 5:27
